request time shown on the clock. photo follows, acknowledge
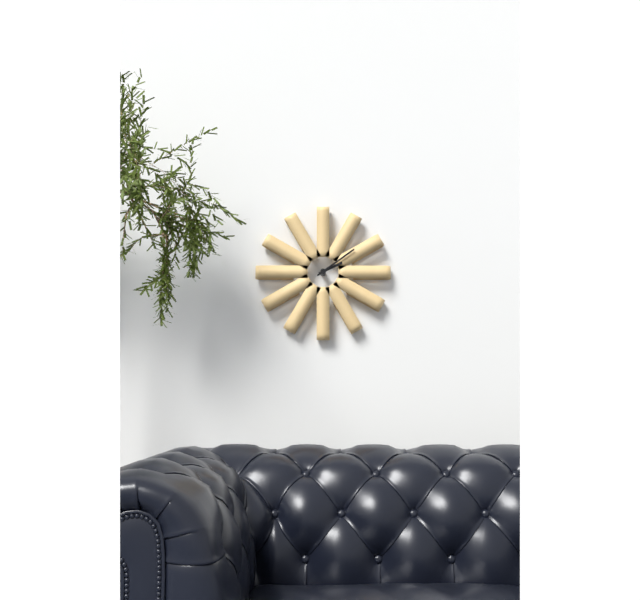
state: 2:09
